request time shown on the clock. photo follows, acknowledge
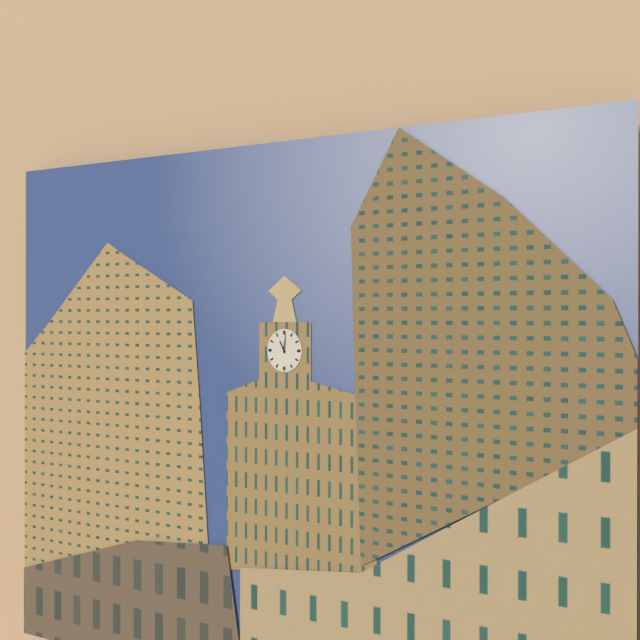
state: 11:01
